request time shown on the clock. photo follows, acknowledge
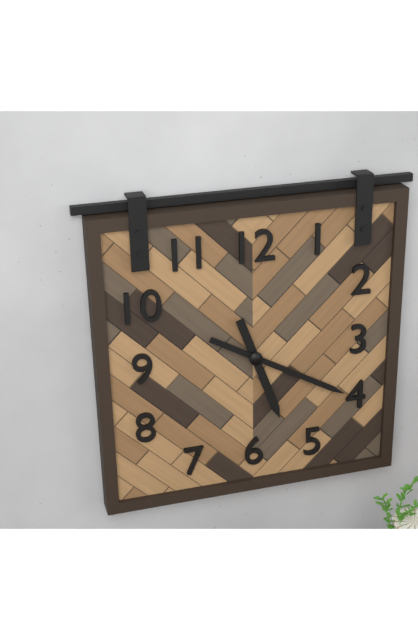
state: 5:20
